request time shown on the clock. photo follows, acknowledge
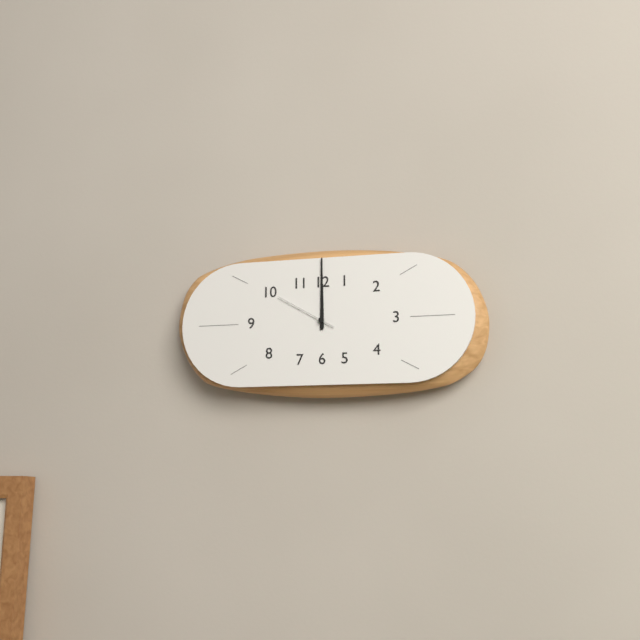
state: 12:00:50
